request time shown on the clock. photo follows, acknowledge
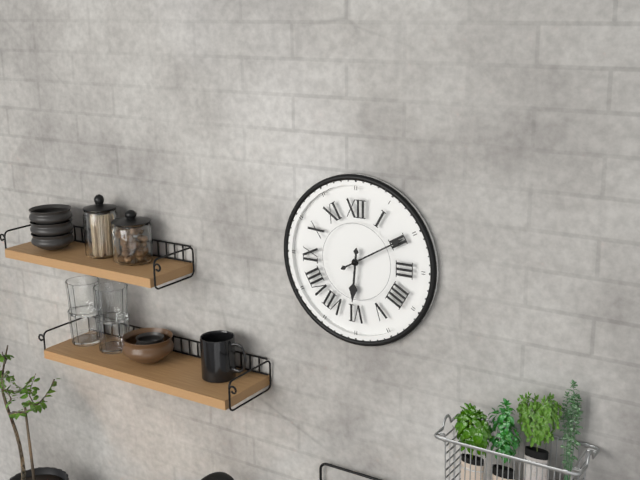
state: 6:10
